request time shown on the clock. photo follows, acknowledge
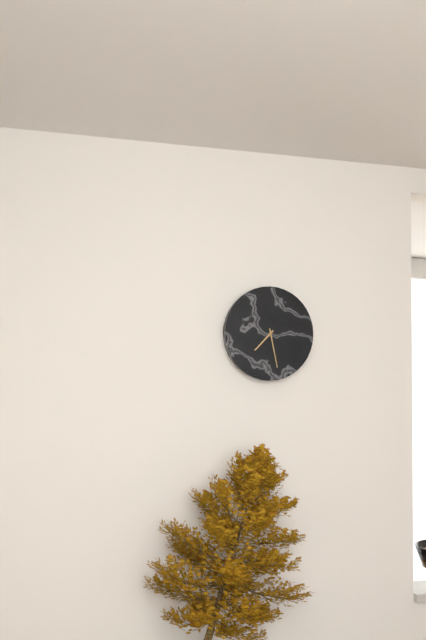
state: 7:28
